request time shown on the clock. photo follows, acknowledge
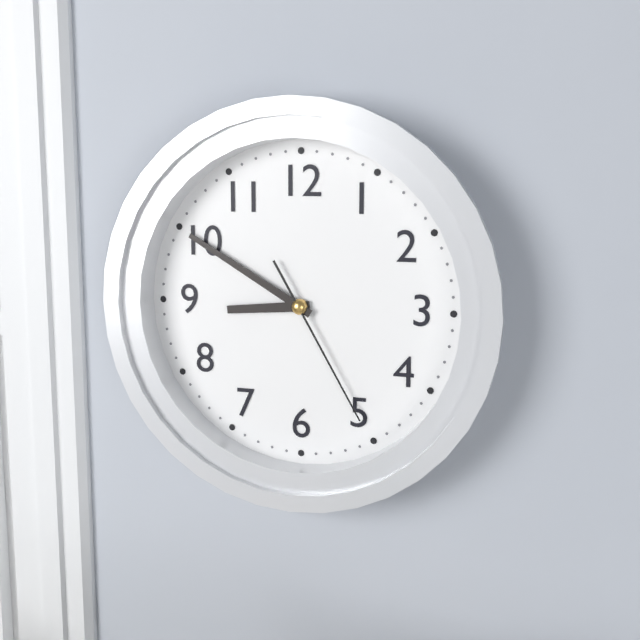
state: 8:50:25
